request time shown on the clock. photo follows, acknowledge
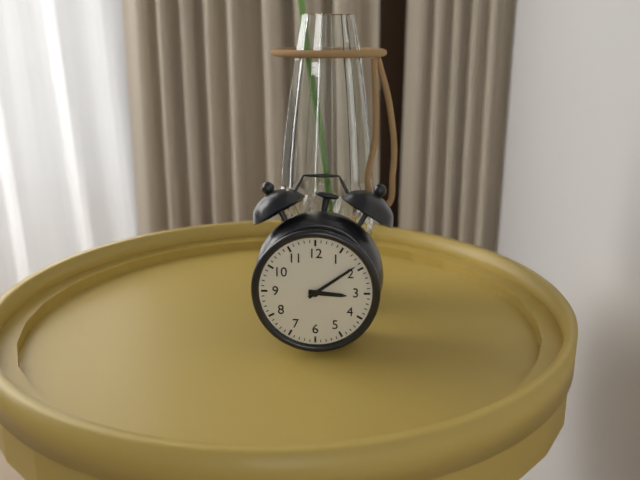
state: 3:09
